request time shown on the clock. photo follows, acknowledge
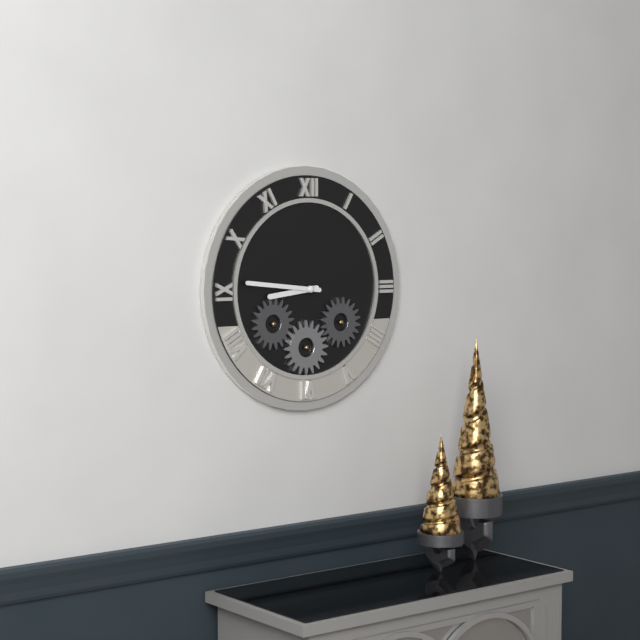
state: 8:46
